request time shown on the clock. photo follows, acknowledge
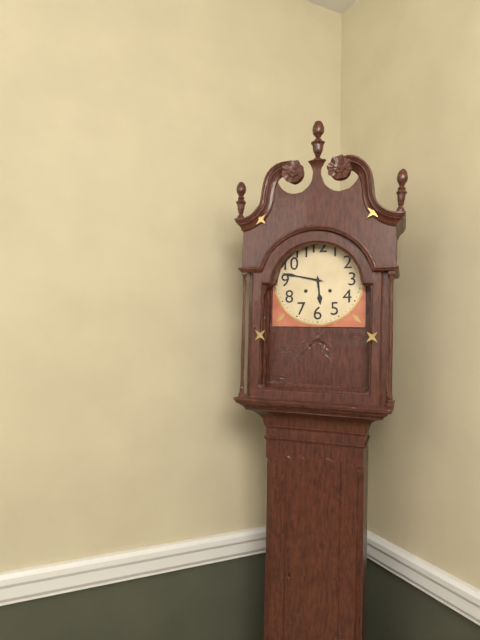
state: 5:47
